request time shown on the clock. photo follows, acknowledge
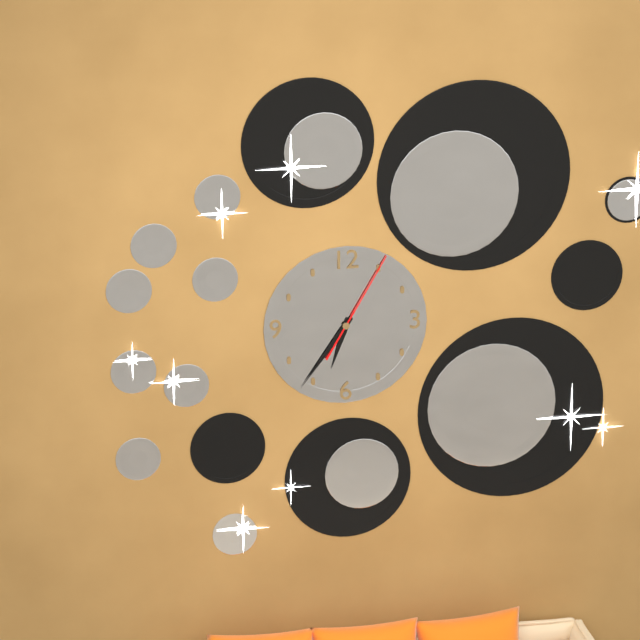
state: 6:36:05
